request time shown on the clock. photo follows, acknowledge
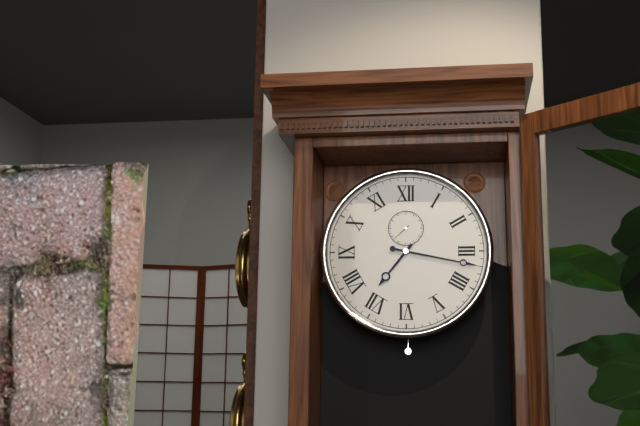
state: 7:17
